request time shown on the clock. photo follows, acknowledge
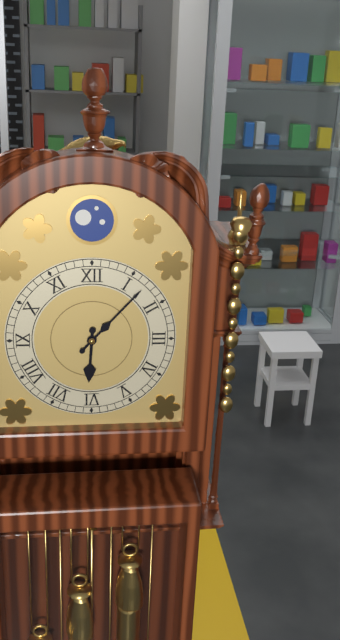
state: 6:07
